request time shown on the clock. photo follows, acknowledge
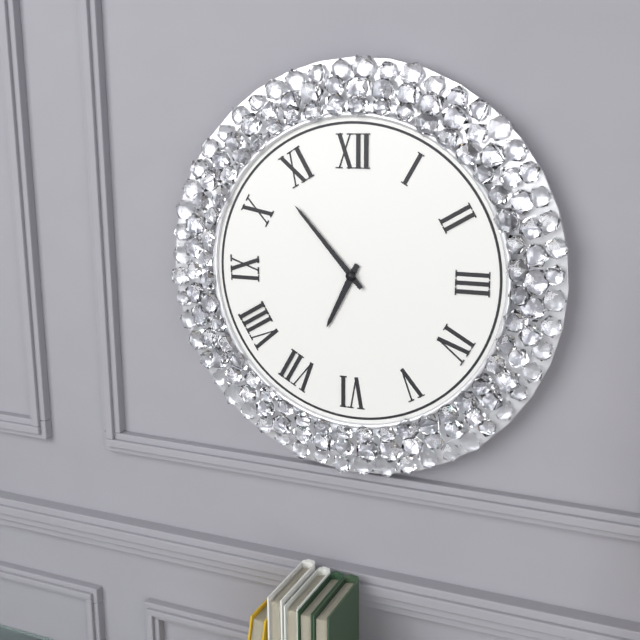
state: 6:53
